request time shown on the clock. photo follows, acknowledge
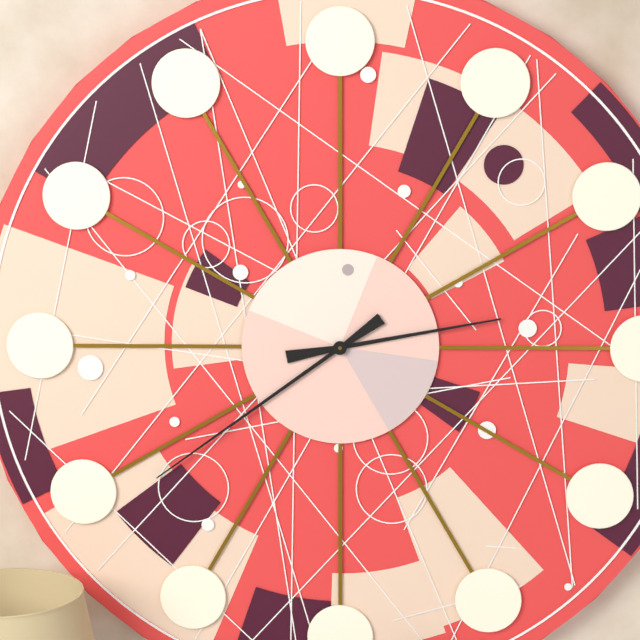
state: 2:39
